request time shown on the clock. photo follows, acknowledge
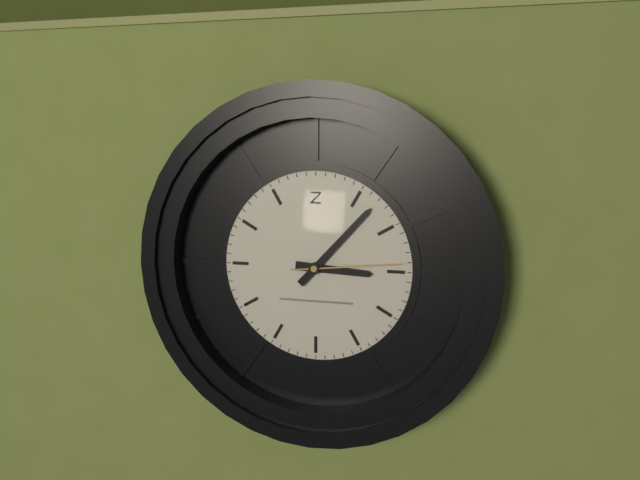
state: 3:07:14
